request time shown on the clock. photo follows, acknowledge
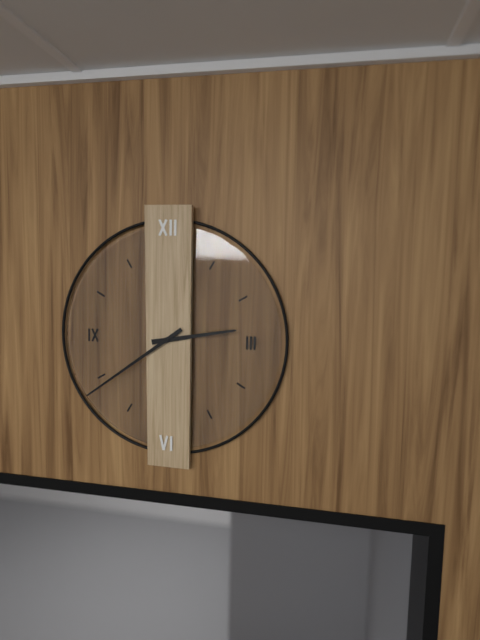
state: 2:39
